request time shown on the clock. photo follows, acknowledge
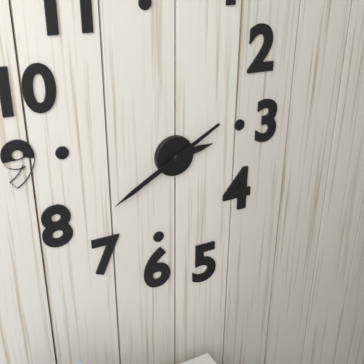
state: 2:40
